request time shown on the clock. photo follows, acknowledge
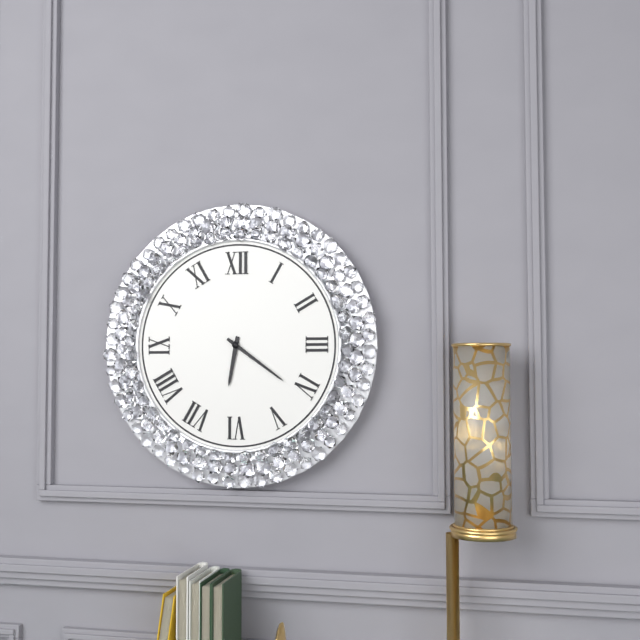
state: 6:21
